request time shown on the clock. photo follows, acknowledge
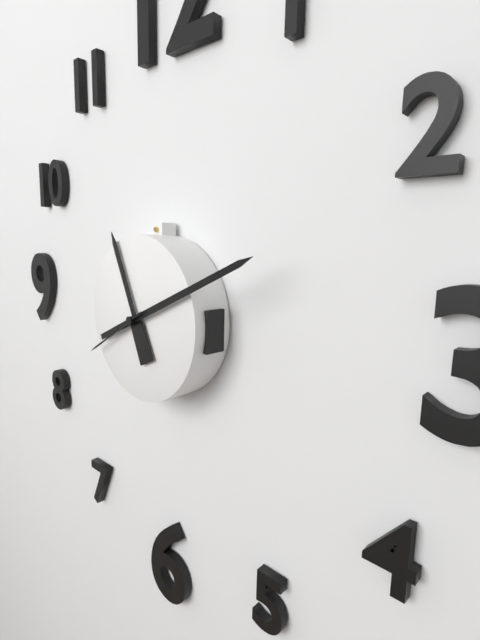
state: 11:11:40
